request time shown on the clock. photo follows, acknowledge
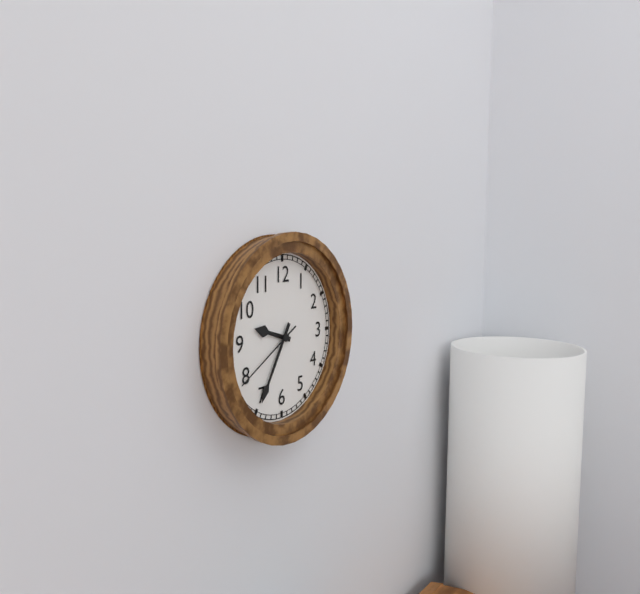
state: 9:35:40
